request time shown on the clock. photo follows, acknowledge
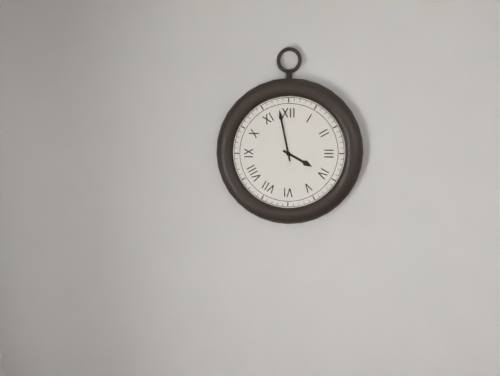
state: 3:58
